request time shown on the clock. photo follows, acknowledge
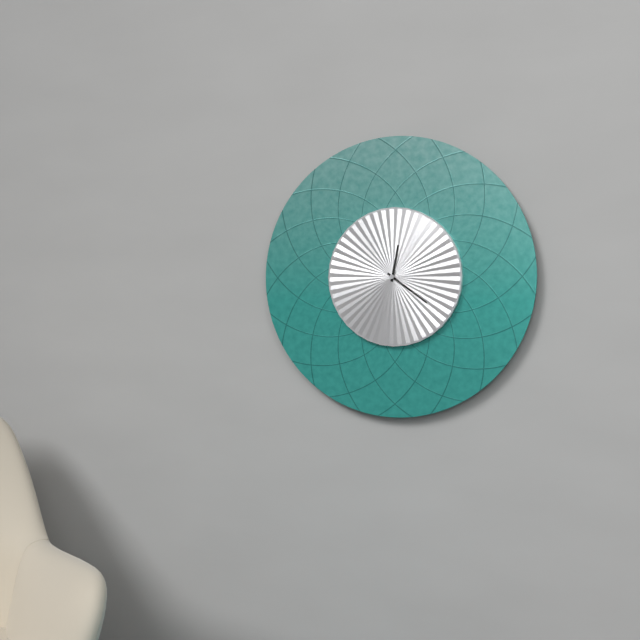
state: 12:21
